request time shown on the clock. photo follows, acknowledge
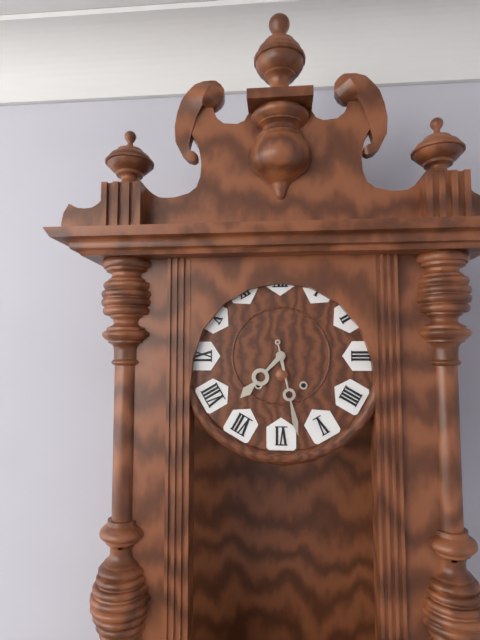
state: 7:28
